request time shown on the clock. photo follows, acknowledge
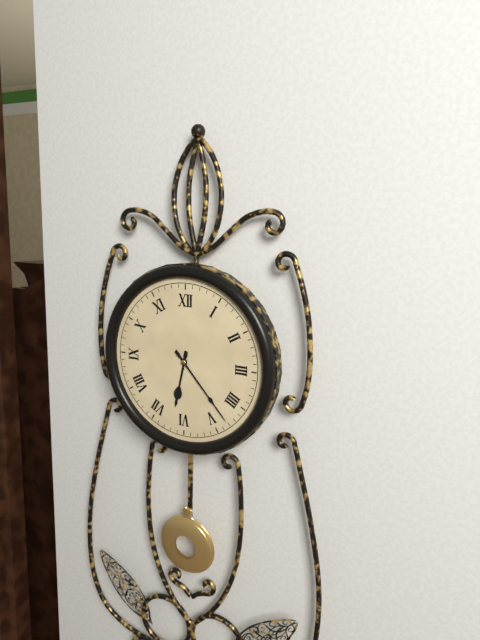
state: 6:23
